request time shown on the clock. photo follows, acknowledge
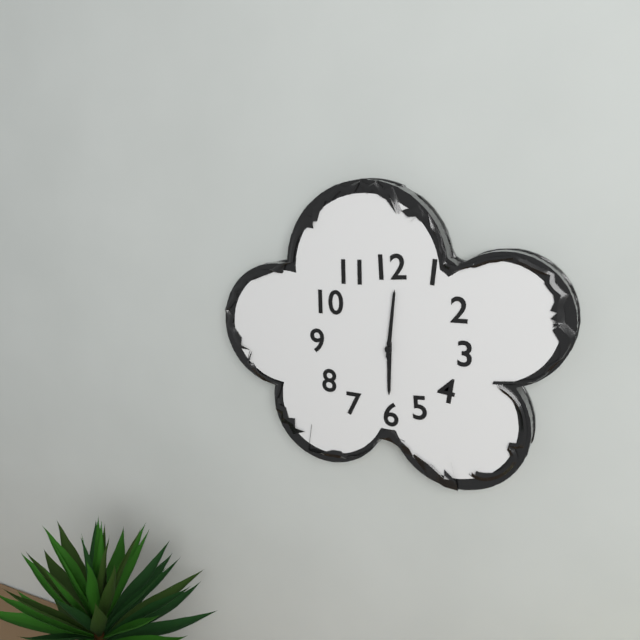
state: 6:01
